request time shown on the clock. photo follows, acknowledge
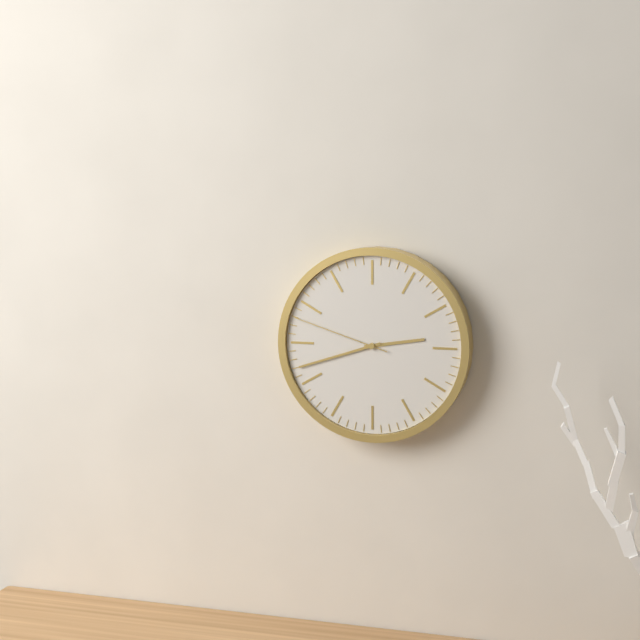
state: 2:42:48
